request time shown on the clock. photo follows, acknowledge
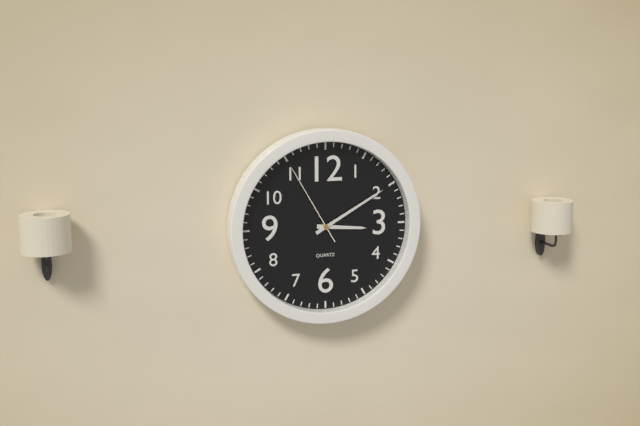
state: 3:10:55
